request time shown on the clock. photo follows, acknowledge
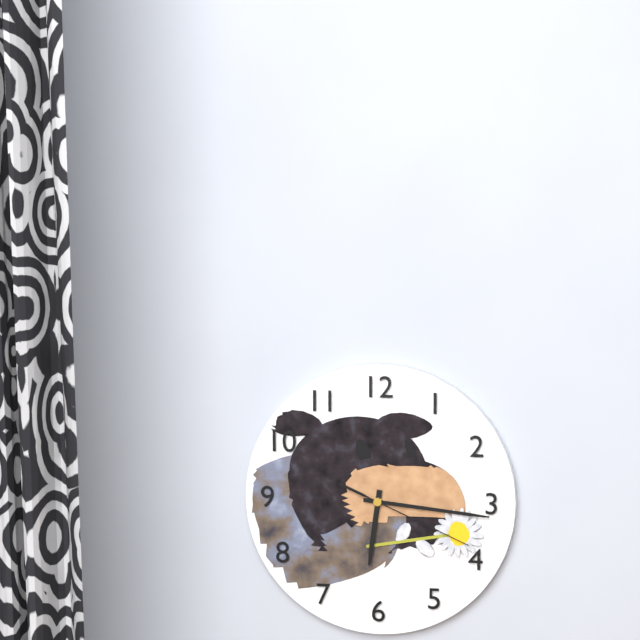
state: 6:16:19
